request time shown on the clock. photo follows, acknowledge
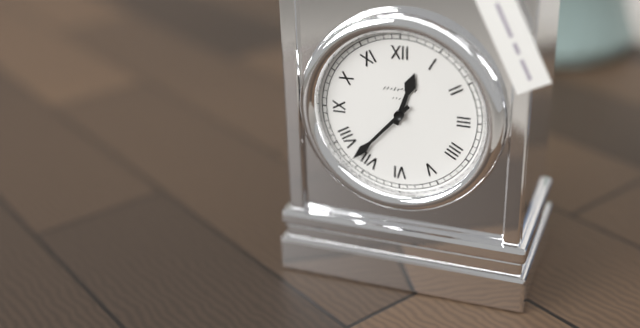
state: 12:37
